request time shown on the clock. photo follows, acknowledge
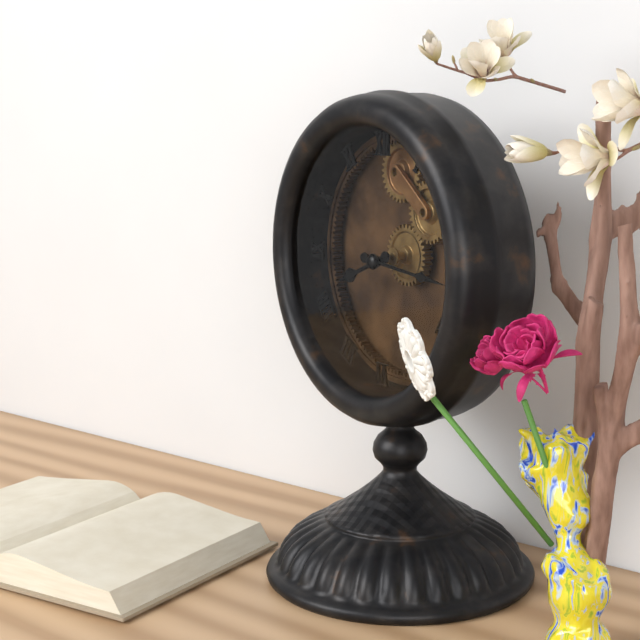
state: 8:16
